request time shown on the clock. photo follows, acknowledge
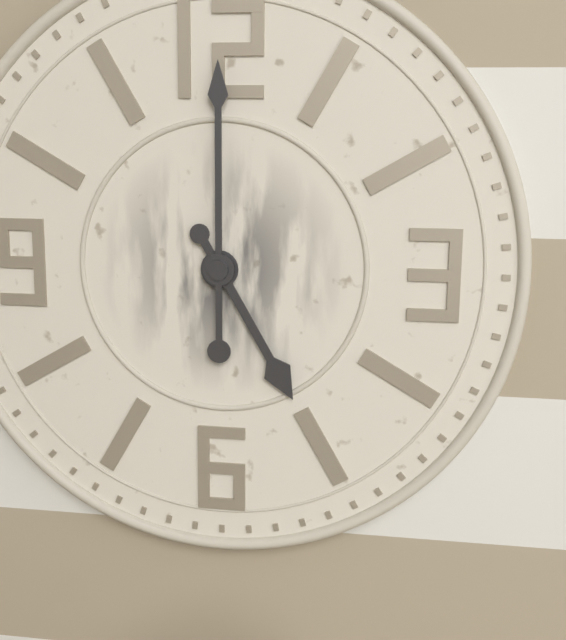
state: 5:00
